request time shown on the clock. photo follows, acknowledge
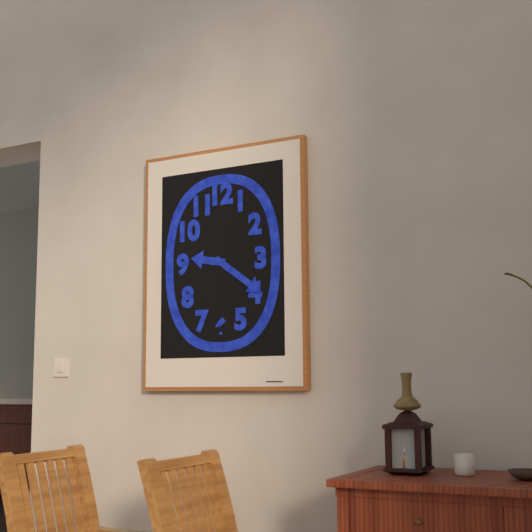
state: 9:21
